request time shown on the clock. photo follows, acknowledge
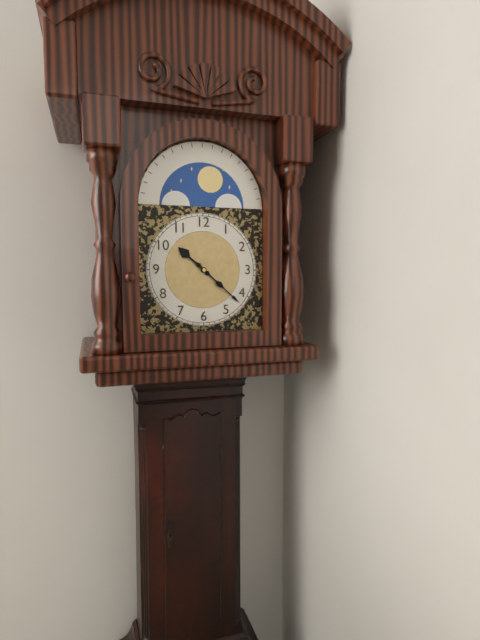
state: 10:22
